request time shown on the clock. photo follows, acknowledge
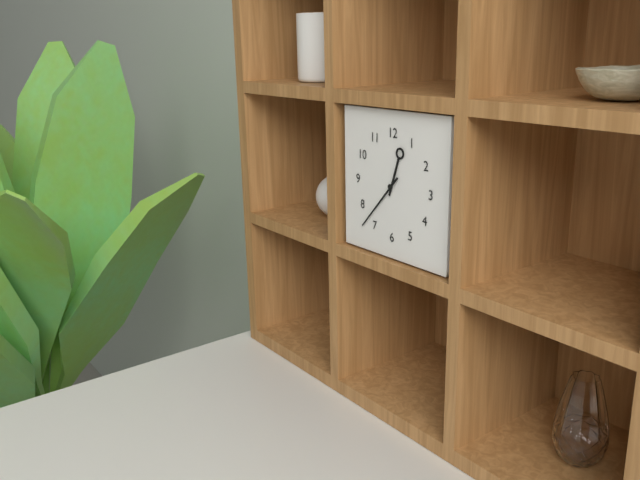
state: 12:37
